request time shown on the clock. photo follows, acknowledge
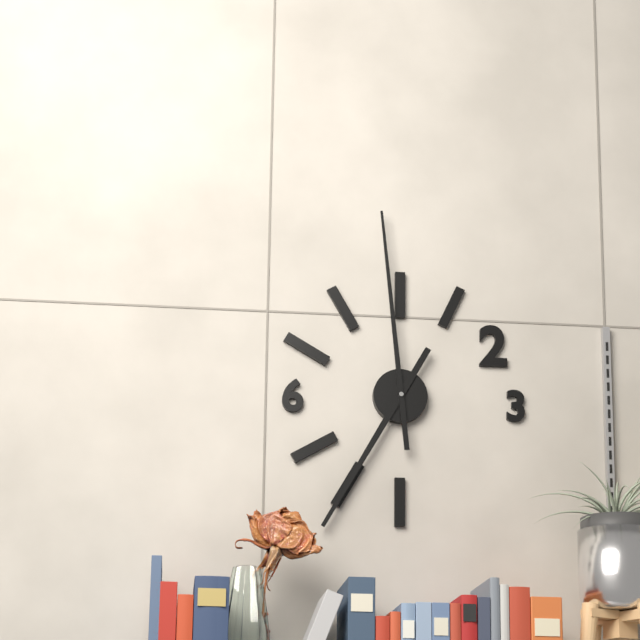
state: 6:59
